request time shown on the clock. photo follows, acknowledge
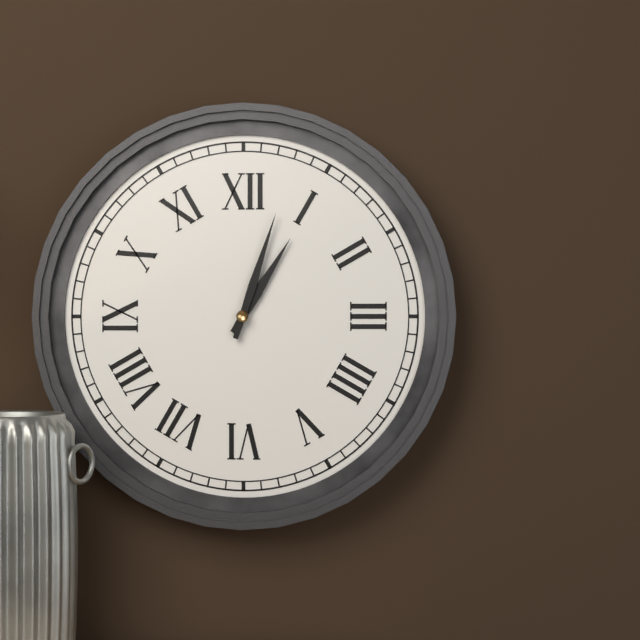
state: 1:03
